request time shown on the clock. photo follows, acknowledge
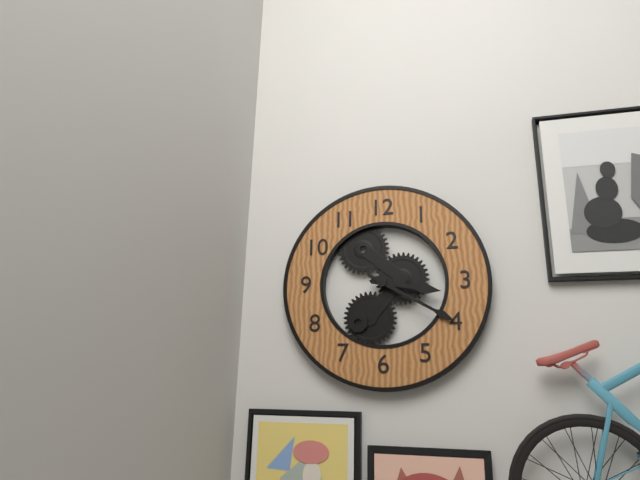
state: 3:20
